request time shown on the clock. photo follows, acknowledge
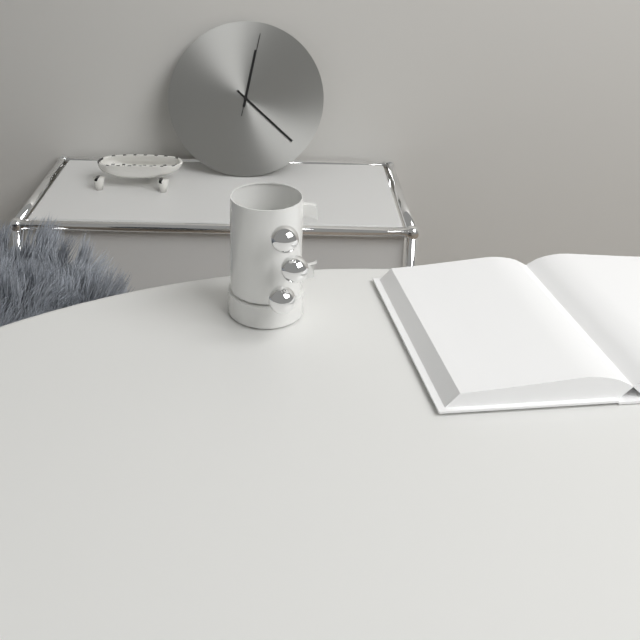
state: 12:22:02
